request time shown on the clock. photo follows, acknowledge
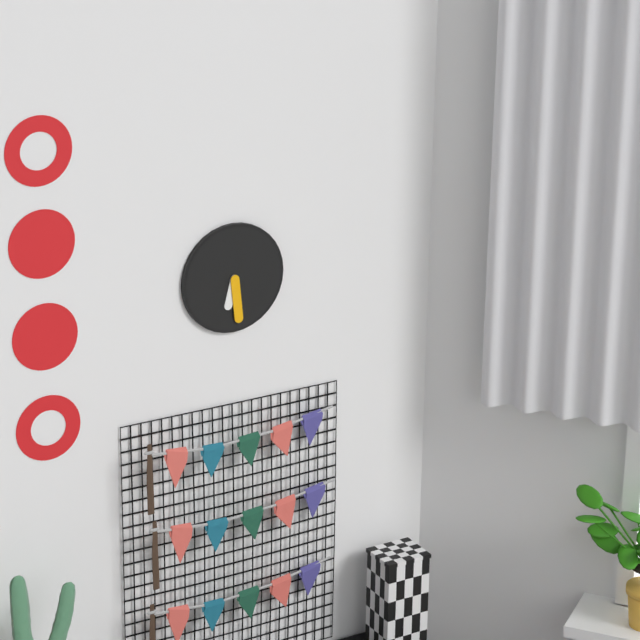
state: 6:29
